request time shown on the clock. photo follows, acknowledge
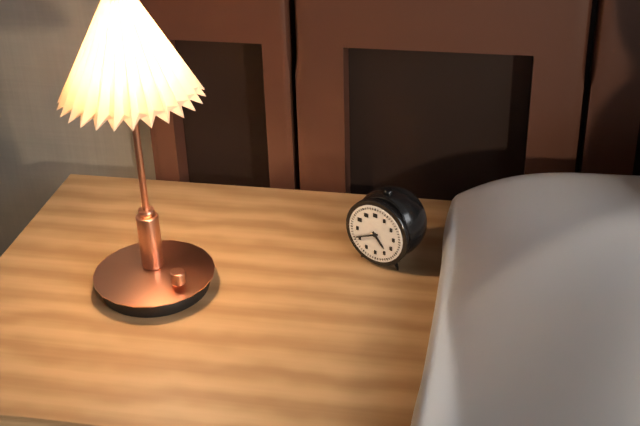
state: 4:41
